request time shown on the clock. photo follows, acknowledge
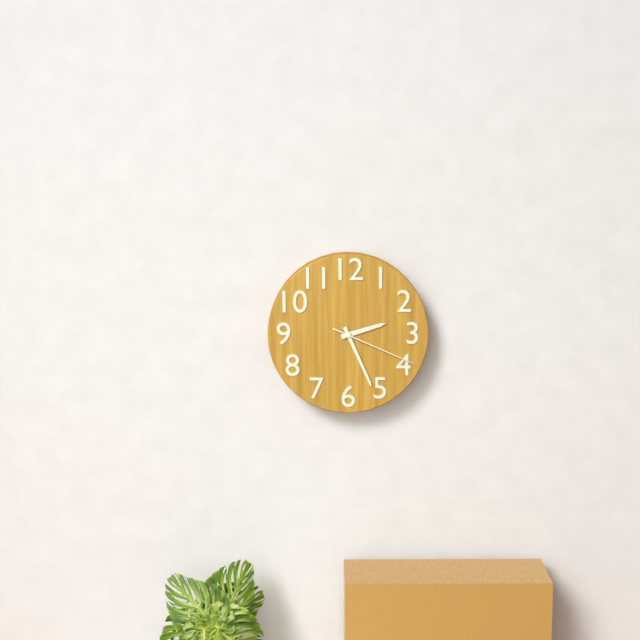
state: 2:26:19
